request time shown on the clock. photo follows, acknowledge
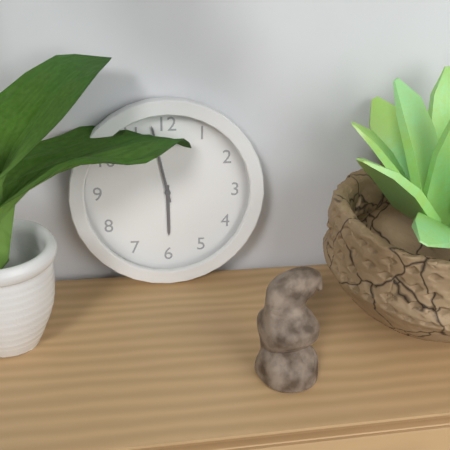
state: 5:58
